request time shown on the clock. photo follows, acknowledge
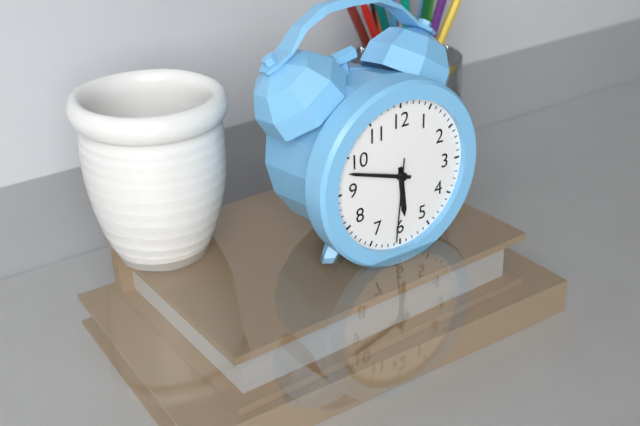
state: 5:48:31
